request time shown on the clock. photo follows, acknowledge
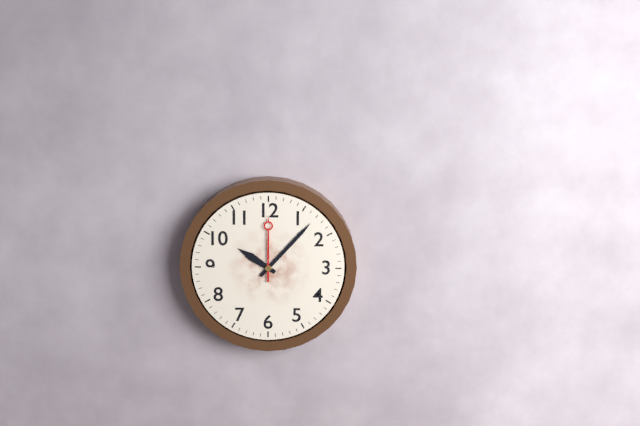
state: 10:07:00
